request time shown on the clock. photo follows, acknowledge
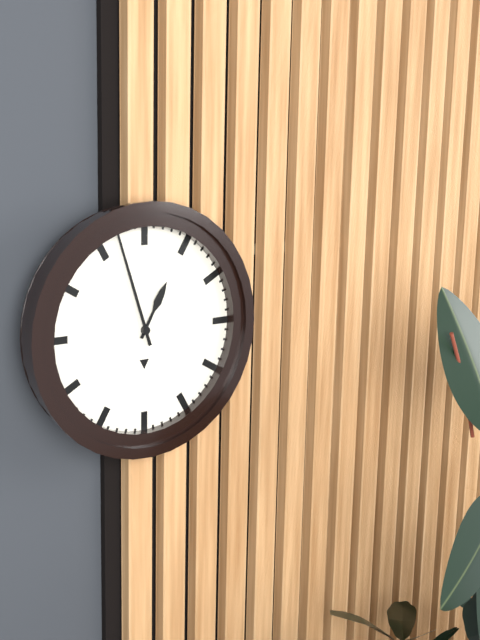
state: 12:57
